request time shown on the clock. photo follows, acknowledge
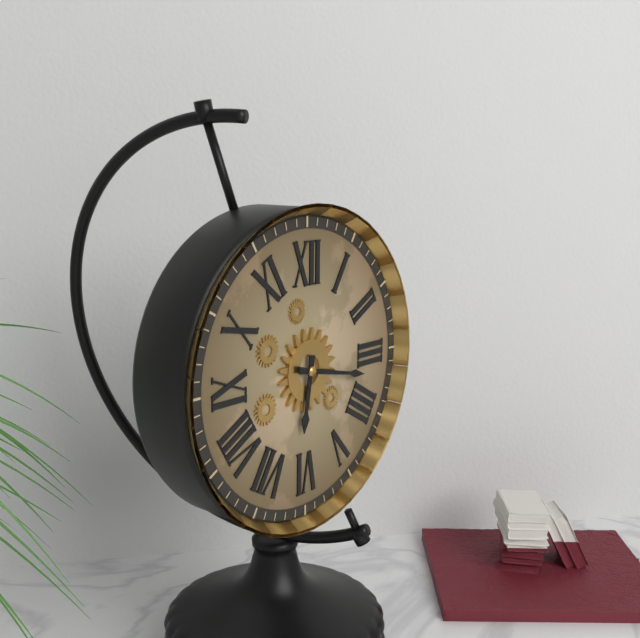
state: 6:17
